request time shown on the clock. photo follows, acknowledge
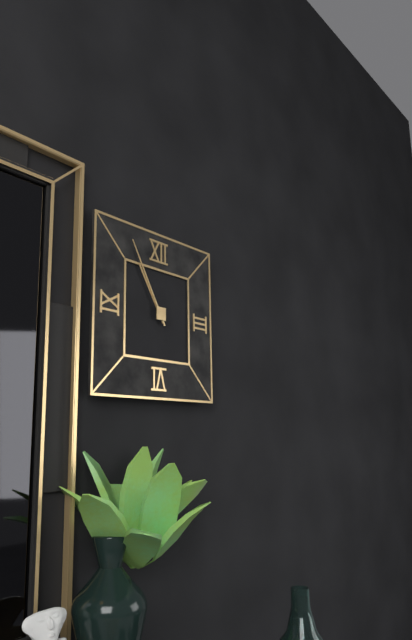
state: 10:55
